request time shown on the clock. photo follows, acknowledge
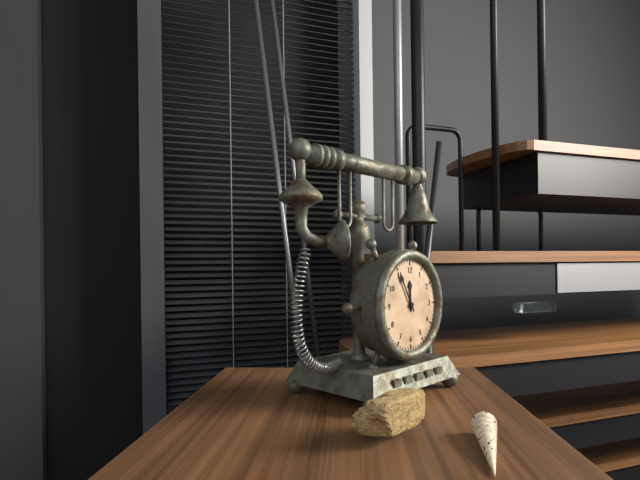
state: 11:55
